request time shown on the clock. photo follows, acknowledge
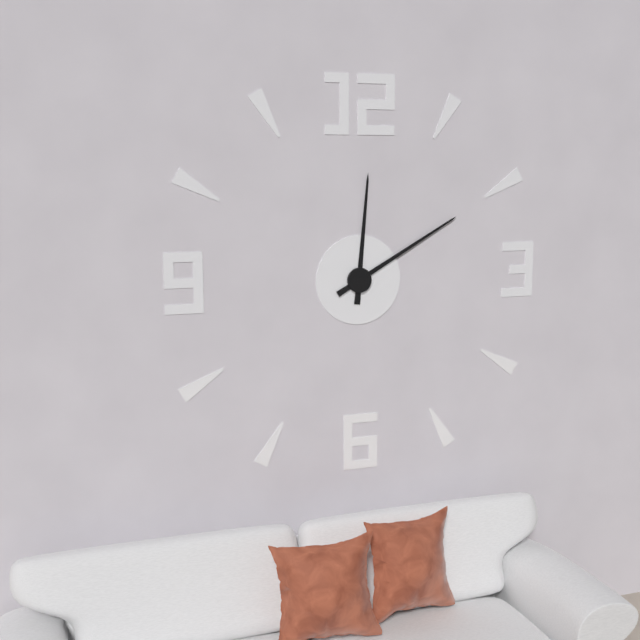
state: 12:10
